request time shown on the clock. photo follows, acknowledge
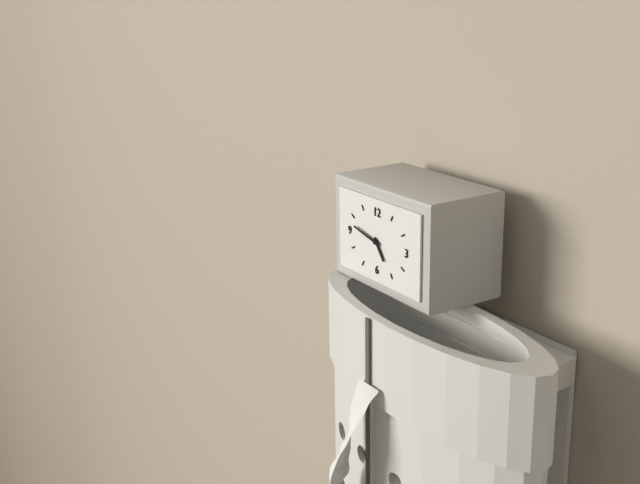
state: 4:47
